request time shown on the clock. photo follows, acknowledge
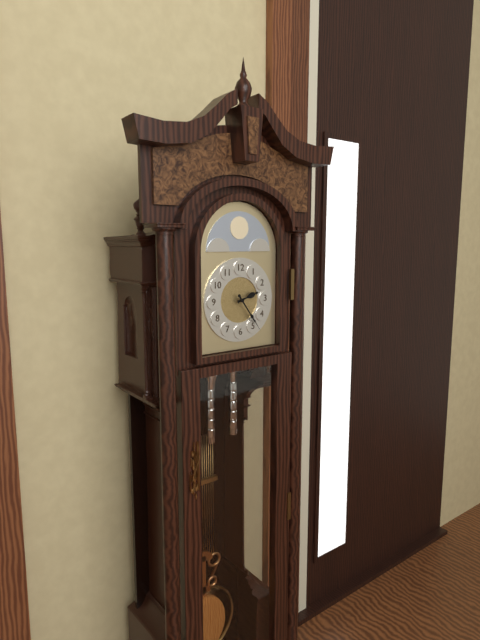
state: 2:24
